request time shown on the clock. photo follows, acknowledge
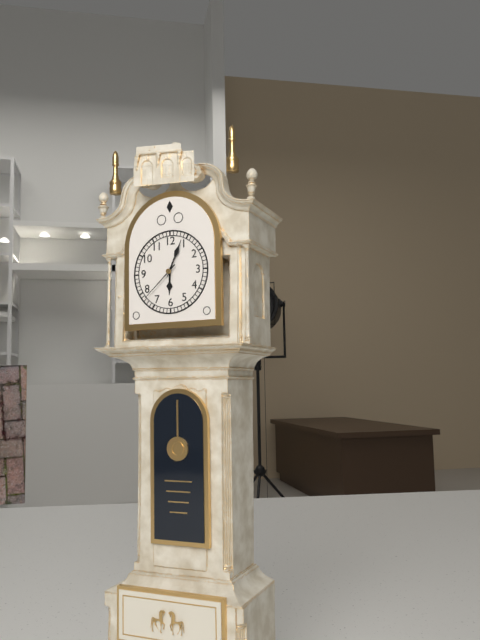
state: 6:04
